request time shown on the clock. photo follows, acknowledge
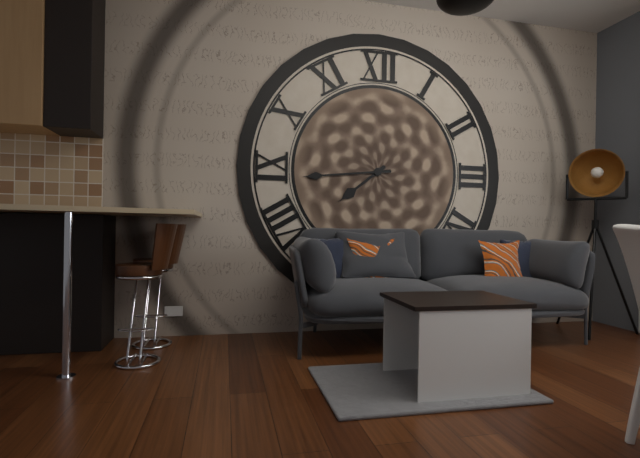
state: 7:44
